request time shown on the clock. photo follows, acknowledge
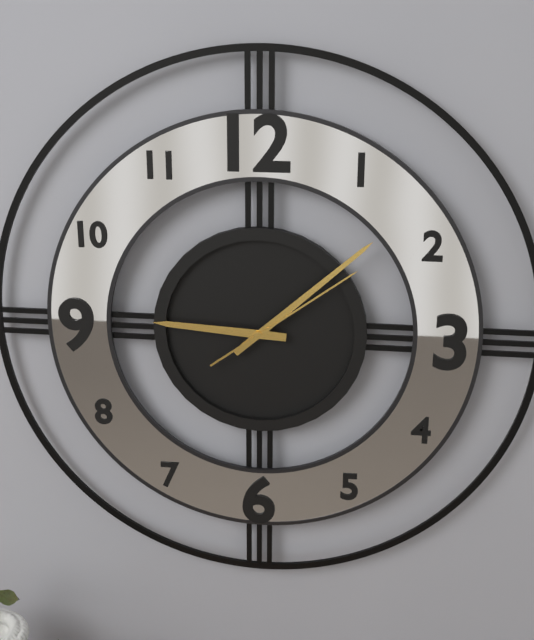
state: 9:08:09
